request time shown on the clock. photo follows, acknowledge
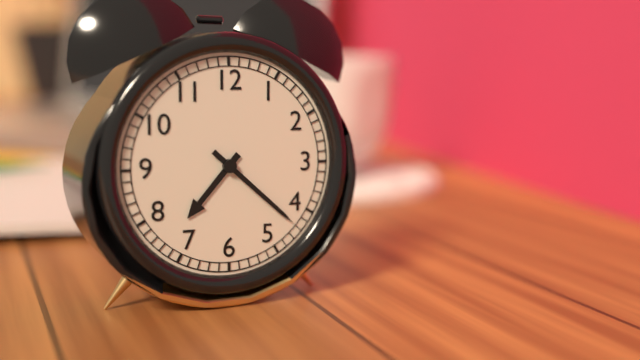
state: 7:22
